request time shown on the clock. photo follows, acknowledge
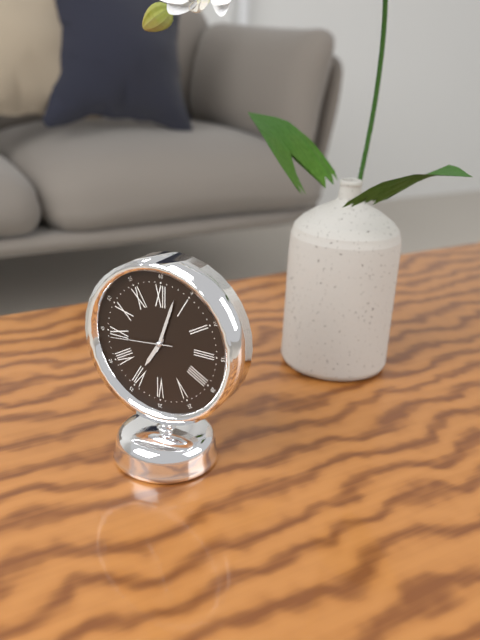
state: 7:03:44
